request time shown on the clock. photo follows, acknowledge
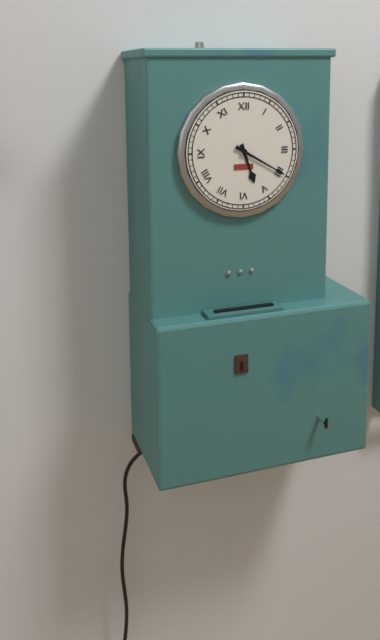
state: 5:20
